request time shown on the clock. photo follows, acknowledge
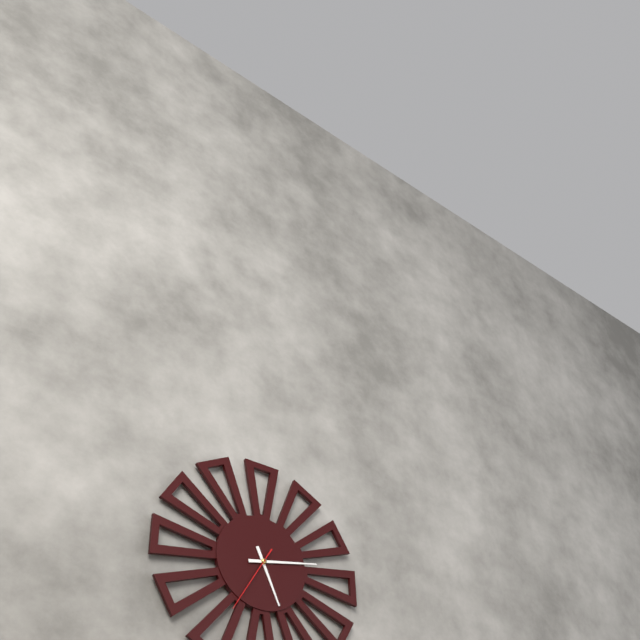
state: 5:13:35
